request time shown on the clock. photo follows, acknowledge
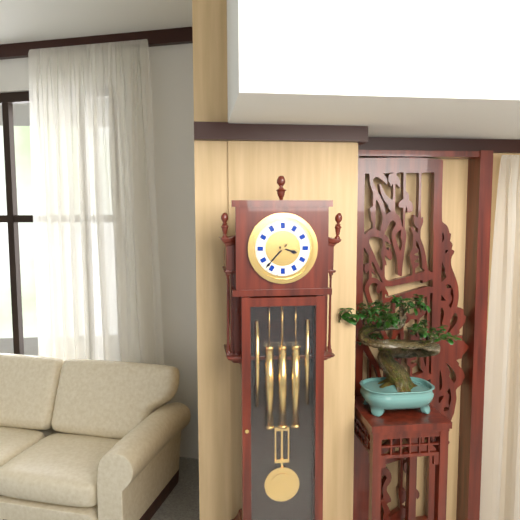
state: 3:37
